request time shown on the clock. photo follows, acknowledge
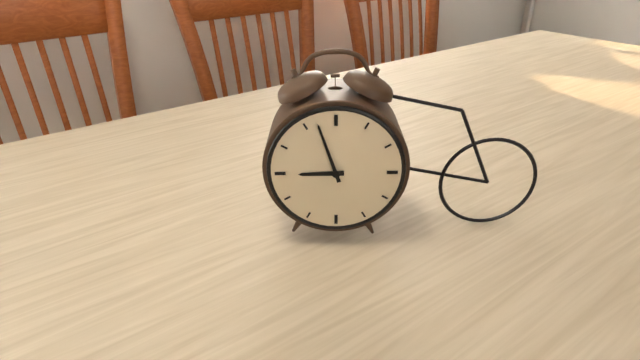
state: 8:57
